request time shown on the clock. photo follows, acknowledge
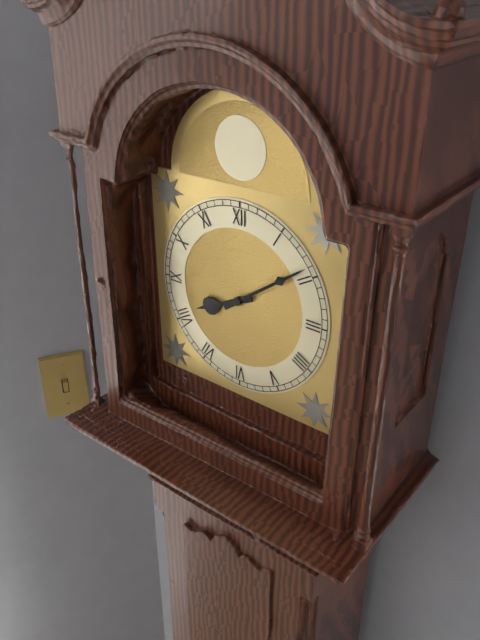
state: 8:09
